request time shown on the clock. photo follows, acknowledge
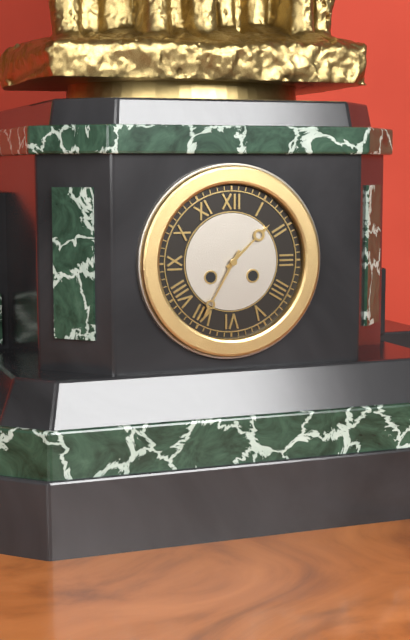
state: 1:35
